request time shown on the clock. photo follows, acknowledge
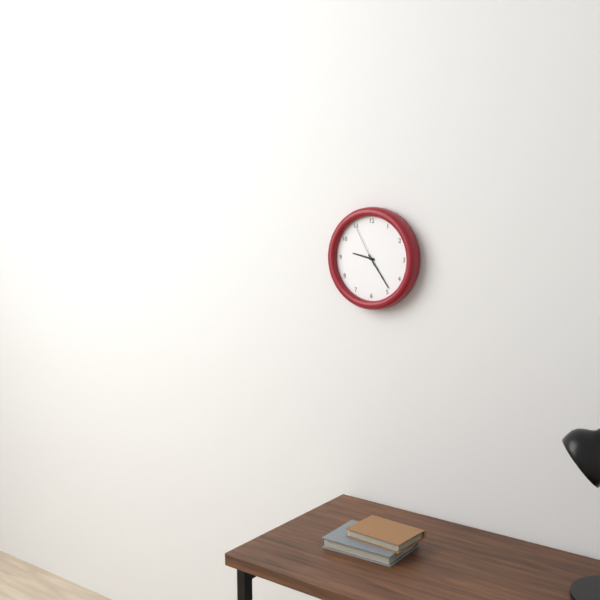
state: 9:24
